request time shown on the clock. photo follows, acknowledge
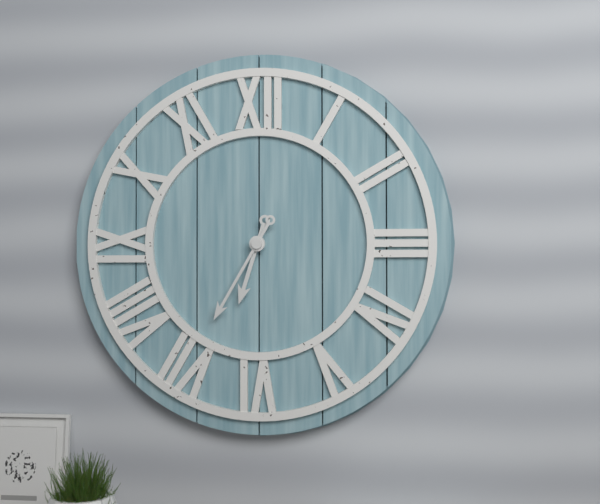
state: 6:35
